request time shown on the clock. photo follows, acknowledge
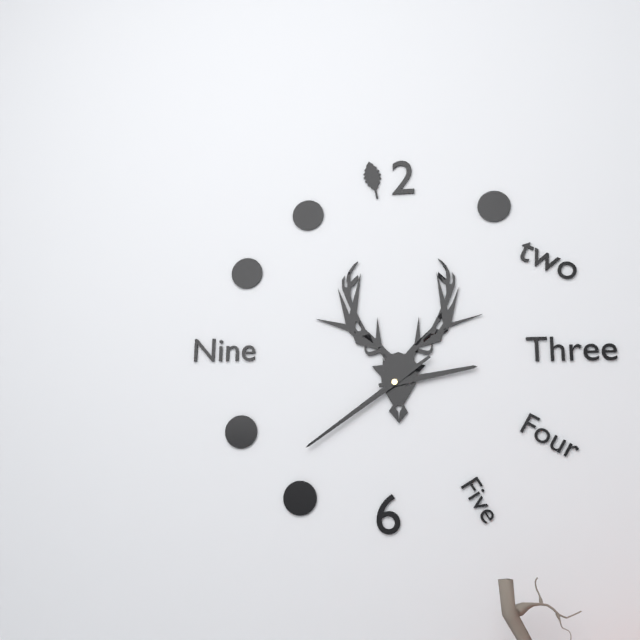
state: 2:39
